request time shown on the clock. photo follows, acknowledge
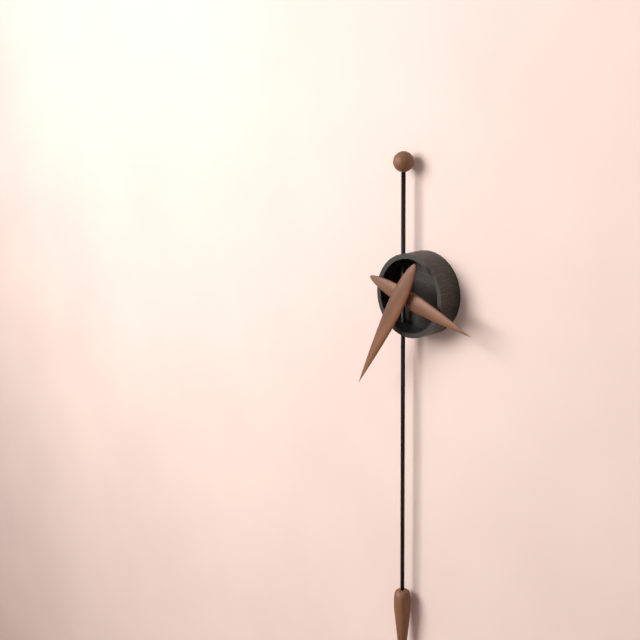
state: 3:35
